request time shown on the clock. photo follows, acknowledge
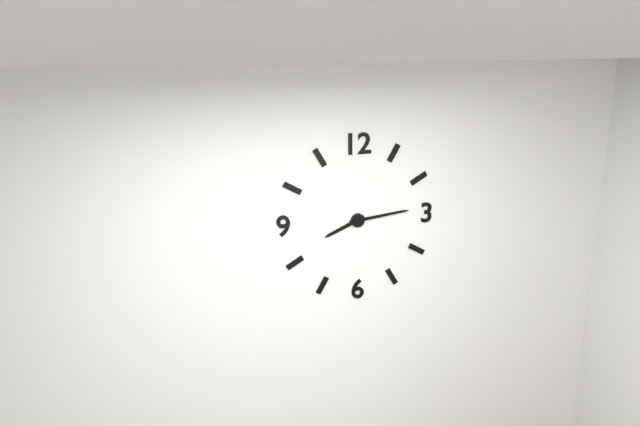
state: 8:14
